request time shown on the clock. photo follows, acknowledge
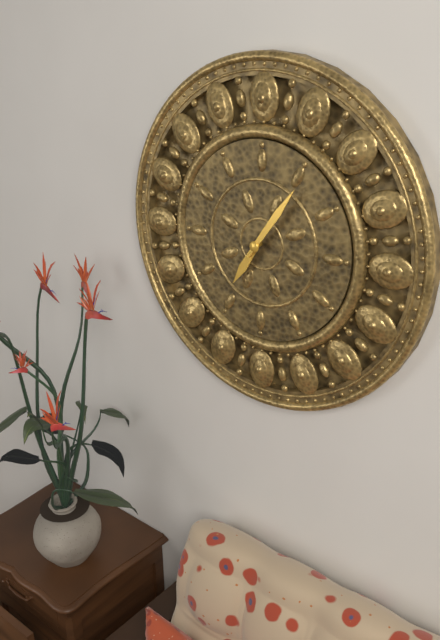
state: 7:06
